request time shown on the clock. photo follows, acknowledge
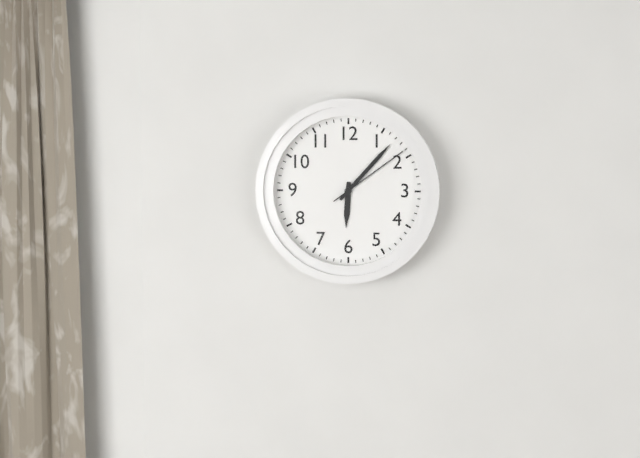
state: 6:07:09
